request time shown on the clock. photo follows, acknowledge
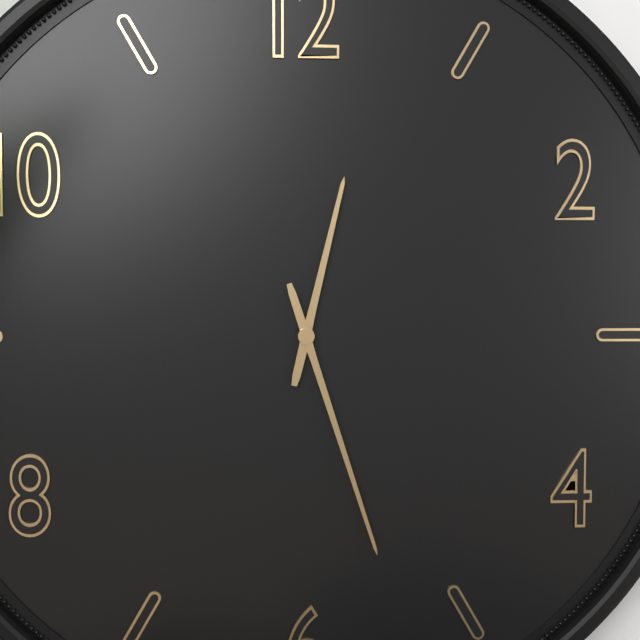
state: 12:27
